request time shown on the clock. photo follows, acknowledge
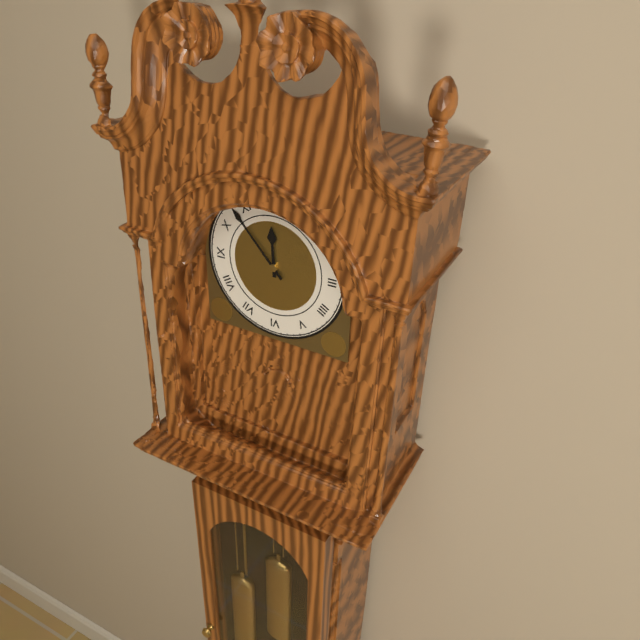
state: 11:53
